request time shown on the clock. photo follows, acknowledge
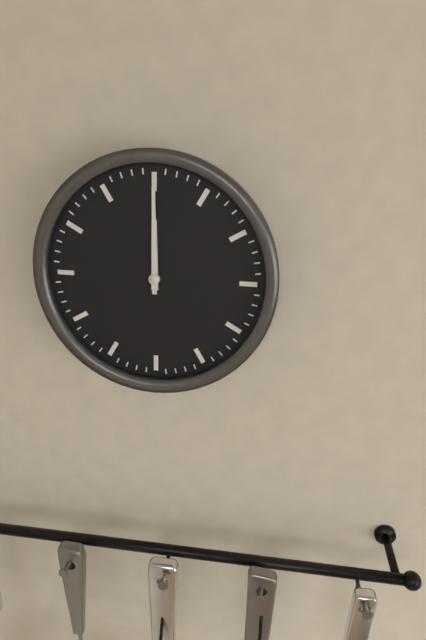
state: 12:00
